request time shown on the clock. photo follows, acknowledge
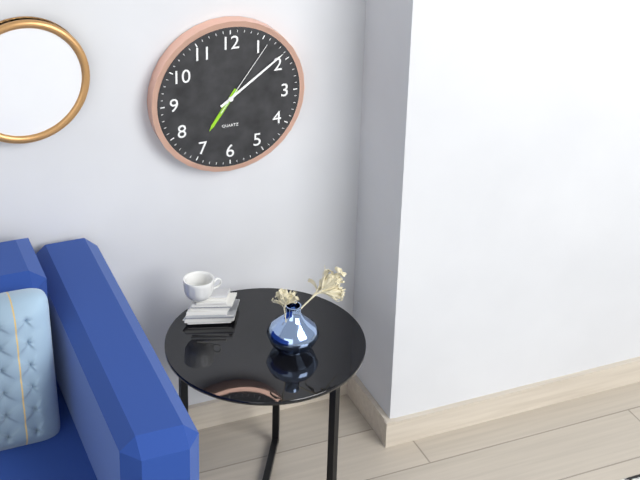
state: 7:09:06
